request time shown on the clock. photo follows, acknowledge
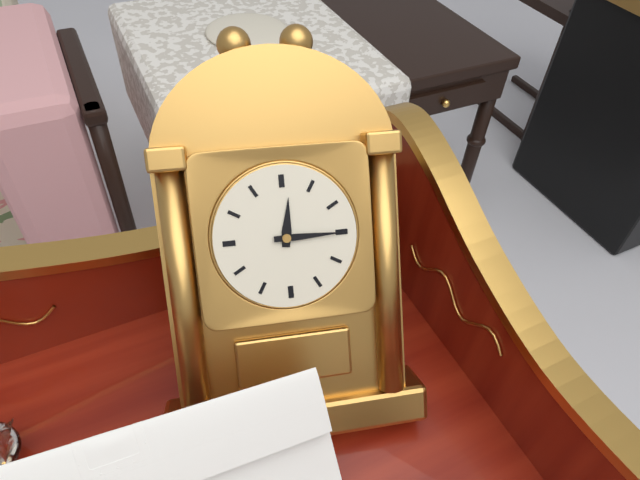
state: 12:15
